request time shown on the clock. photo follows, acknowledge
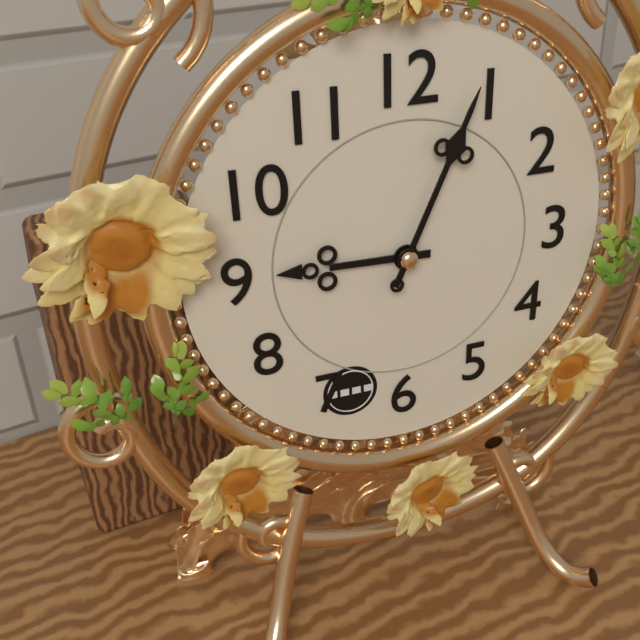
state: 9:04
